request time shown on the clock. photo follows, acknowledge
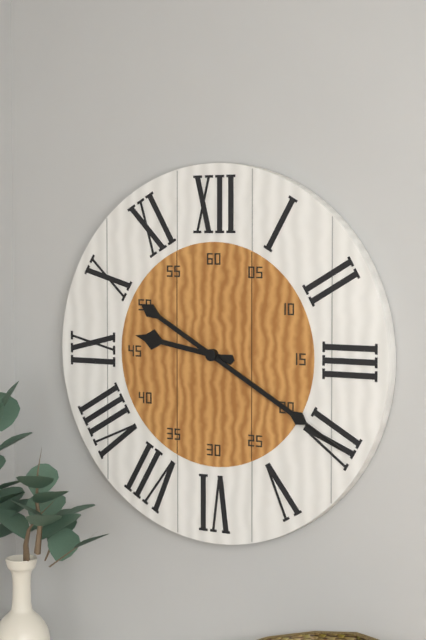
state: 9:20
